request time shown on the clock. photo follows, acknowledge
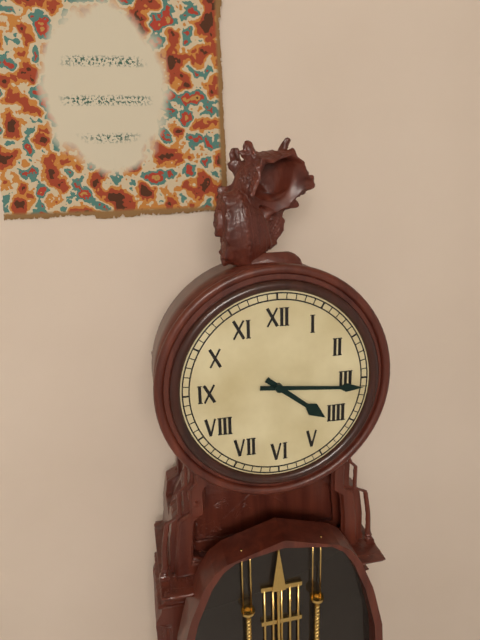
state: 4:16
